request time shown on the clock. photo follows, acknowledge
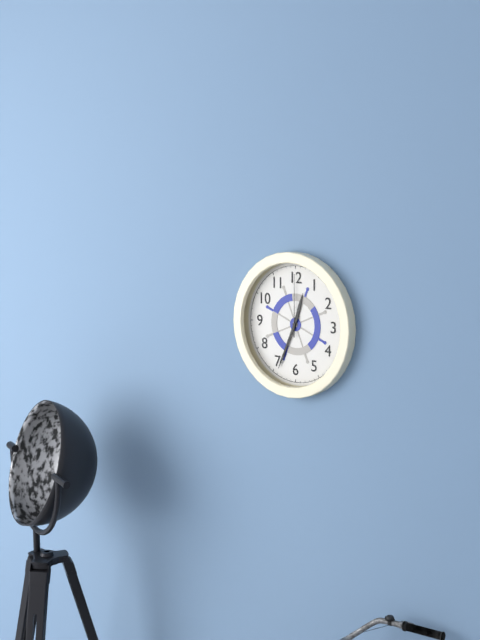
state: 12:34:00
